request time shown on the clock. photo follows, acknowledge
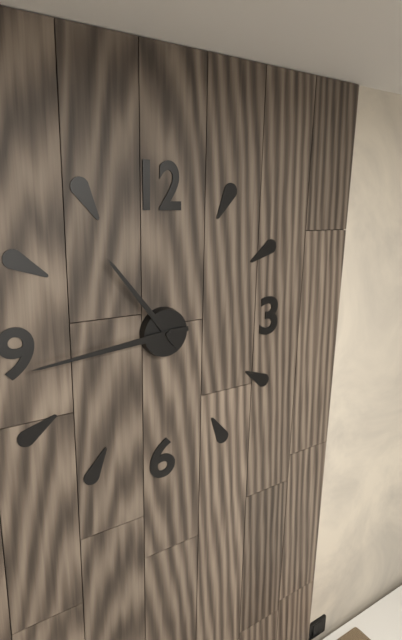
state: 10:44
